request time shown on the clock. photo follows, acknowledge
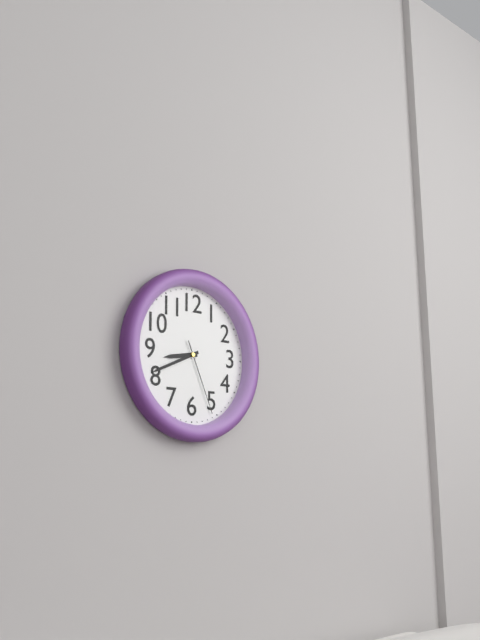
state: 8:41:26
